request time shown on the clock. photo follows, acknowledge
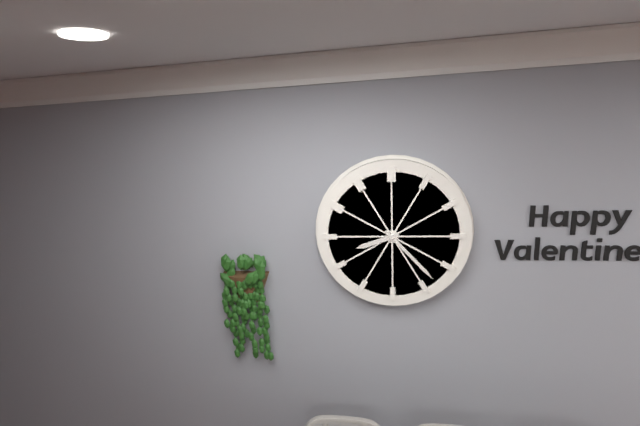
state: 8:23
